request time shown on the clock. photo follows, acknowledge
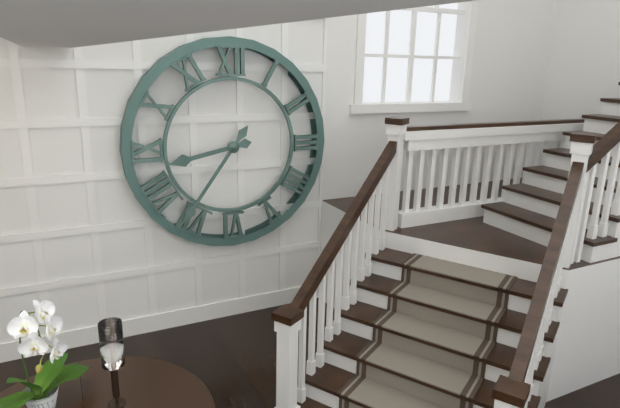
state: 8:36
